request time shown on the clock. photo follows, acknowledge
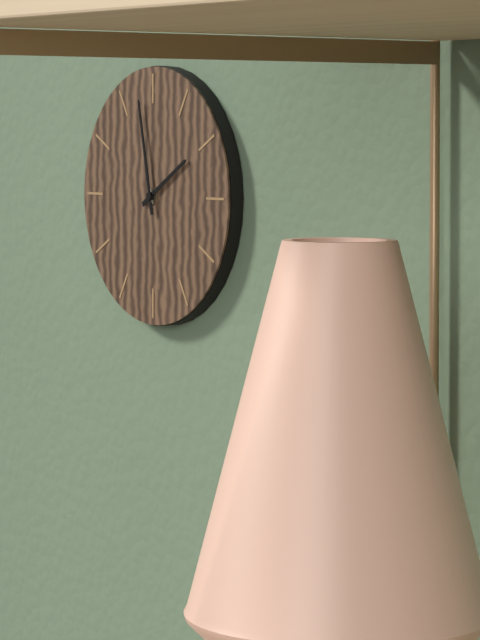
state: 1:58
